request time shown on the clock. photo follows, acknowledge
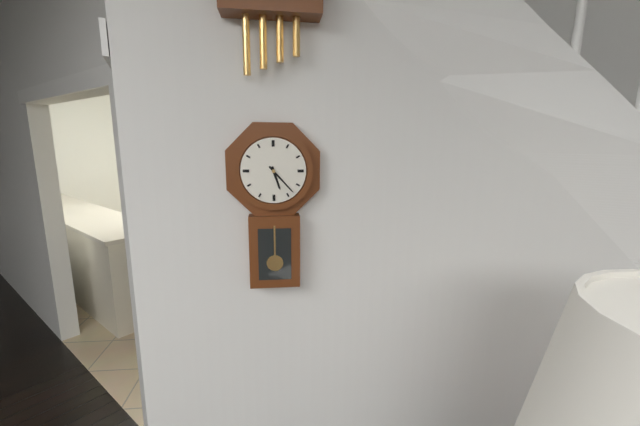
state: 5:23
